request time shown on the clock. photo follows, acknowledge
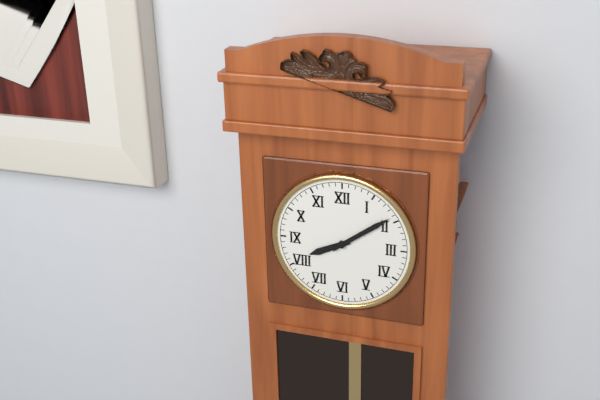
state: 8:09
